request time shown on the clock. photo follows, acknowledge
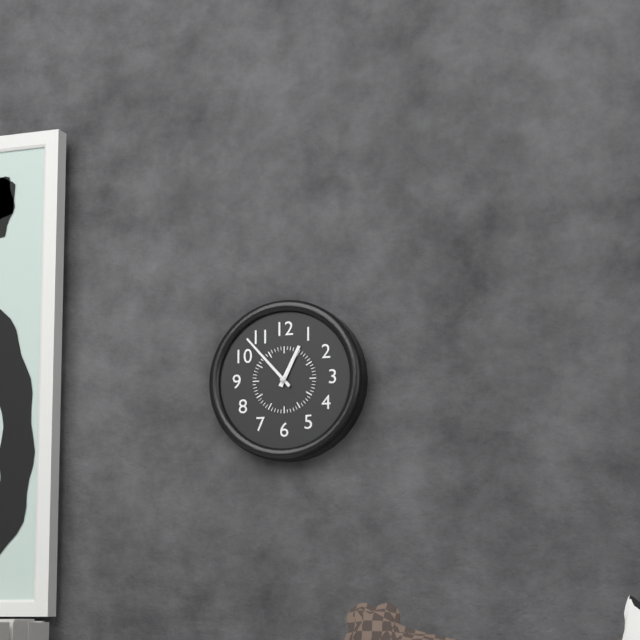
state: 12:53
